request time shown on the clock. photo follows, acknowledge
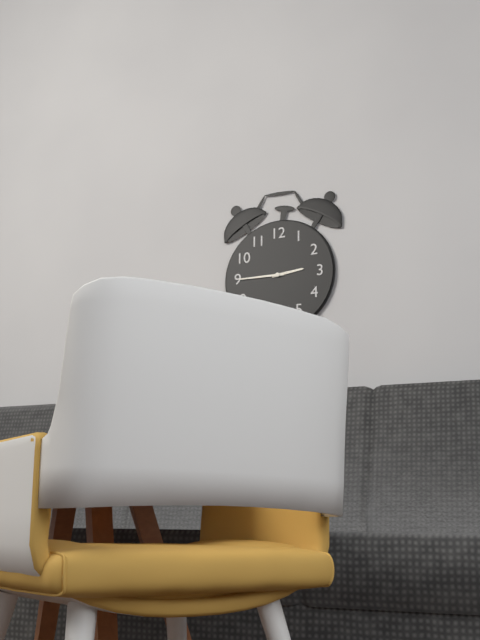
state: 2:45
